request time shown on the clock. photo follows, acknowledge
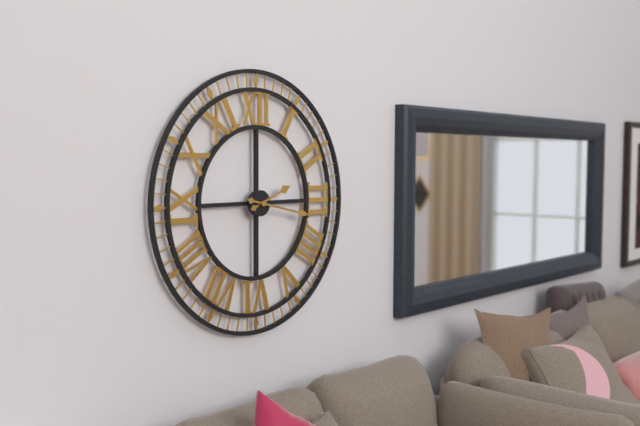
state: 2:17
